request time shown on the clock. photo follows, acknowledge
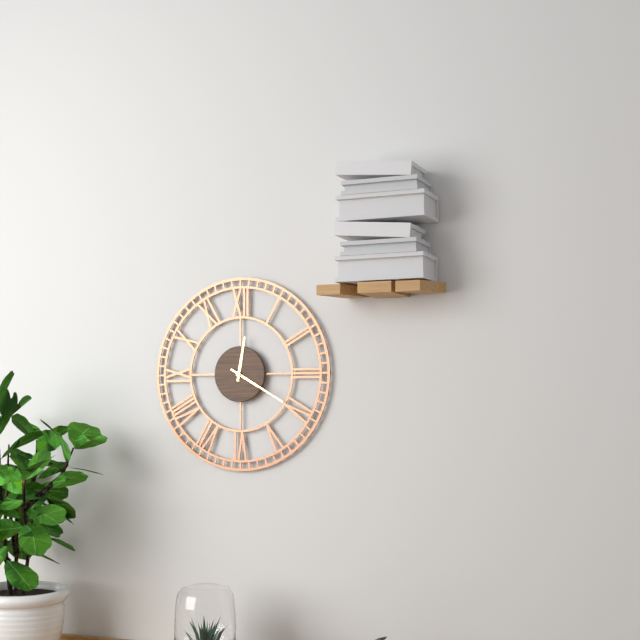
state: 12:20
